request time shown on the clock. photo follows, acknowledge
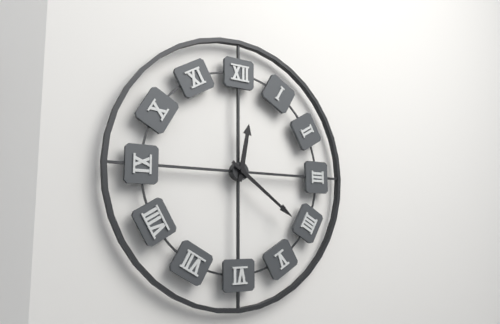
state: 12:21
